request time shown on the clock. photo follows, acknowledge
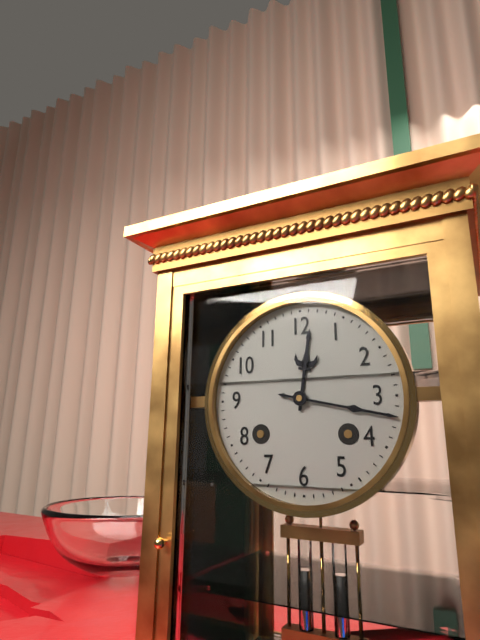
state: 12:17
